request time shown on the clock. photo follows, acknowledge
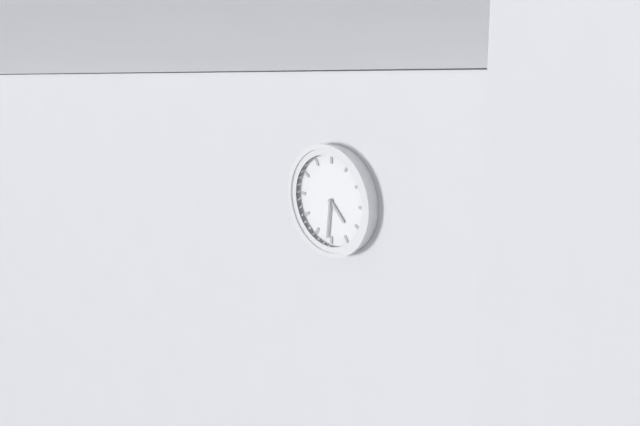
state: 4:31
